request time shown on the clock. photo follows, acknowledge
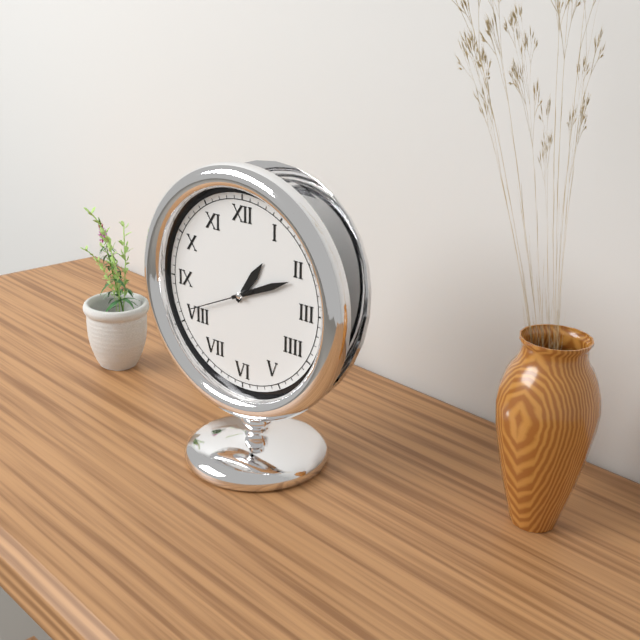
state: 1:11:41
